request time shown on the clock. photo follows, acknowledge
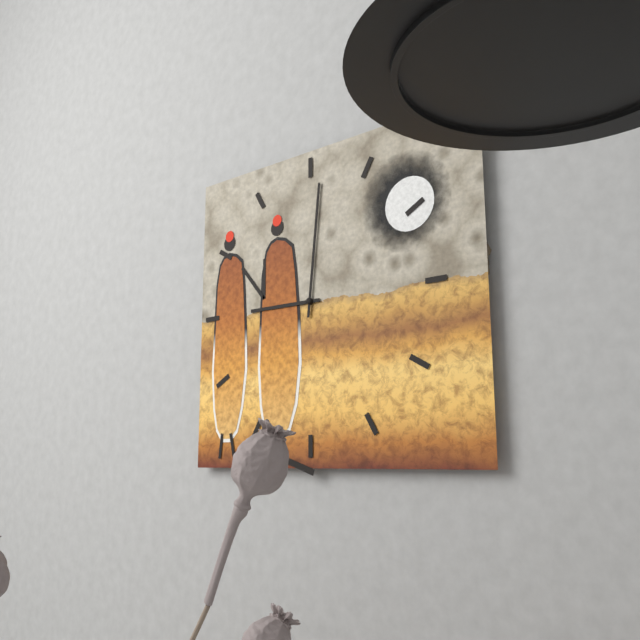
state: 9:01
